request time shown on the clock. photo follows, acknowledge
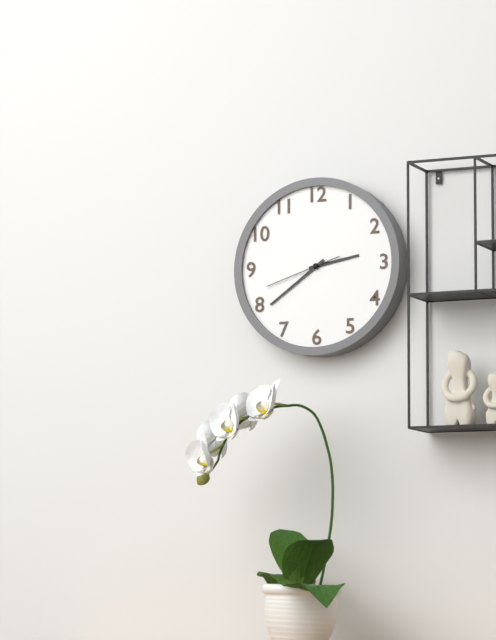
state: 2:39:42
